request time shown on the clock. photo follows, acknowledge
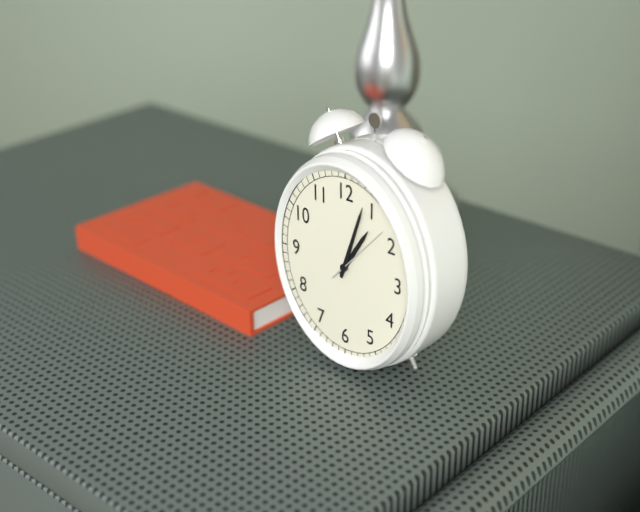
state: 1:03:07
